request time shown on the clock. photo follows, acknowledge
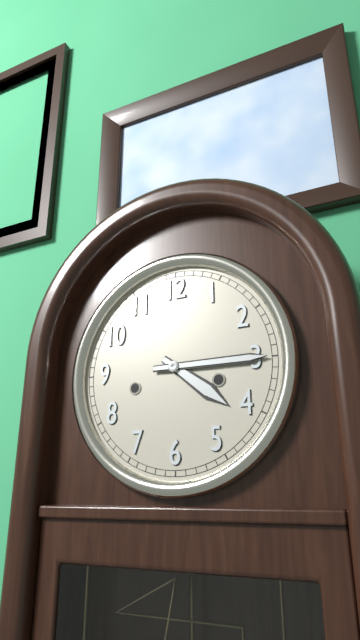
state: 4:15
